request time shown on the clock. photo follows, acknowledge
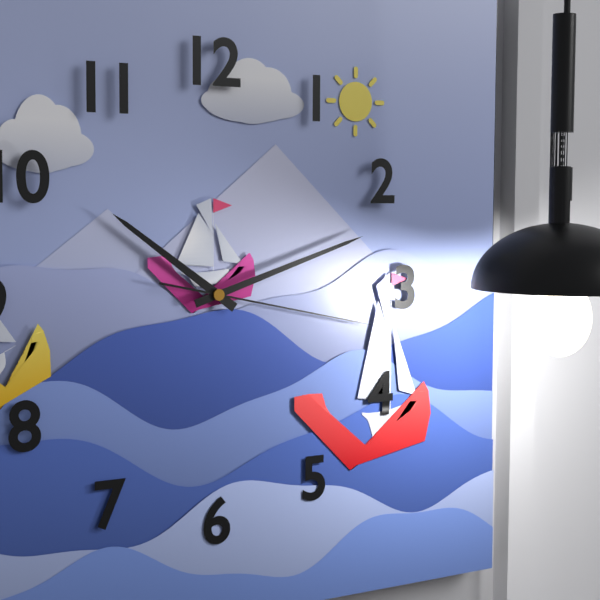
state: 10:12:17
